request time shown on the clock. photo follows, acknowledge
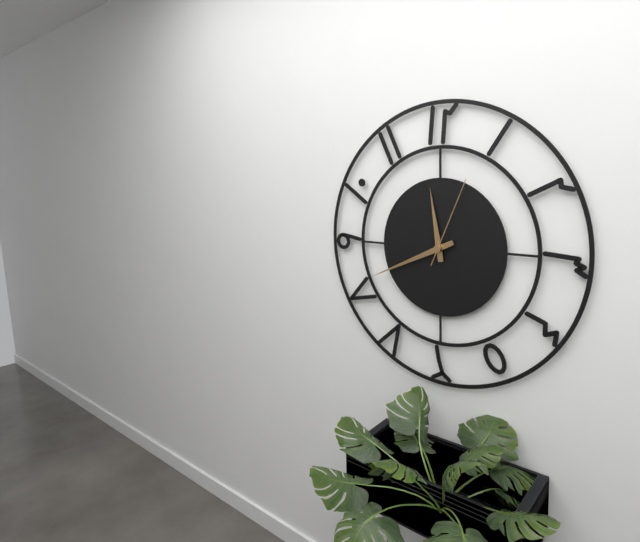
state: 11:41:04
